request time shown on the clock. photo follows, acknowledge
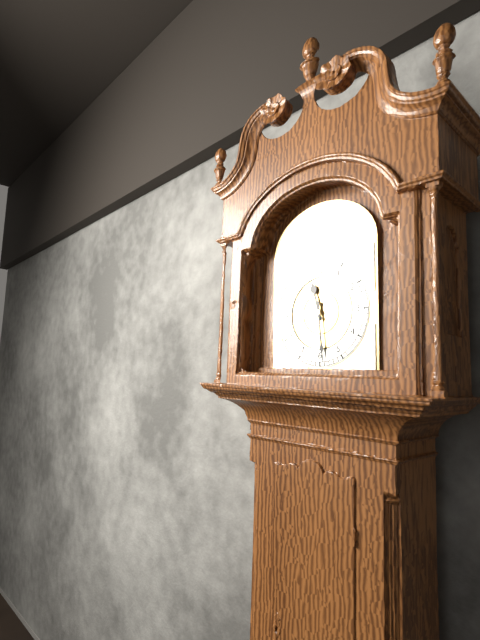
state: 11:29
